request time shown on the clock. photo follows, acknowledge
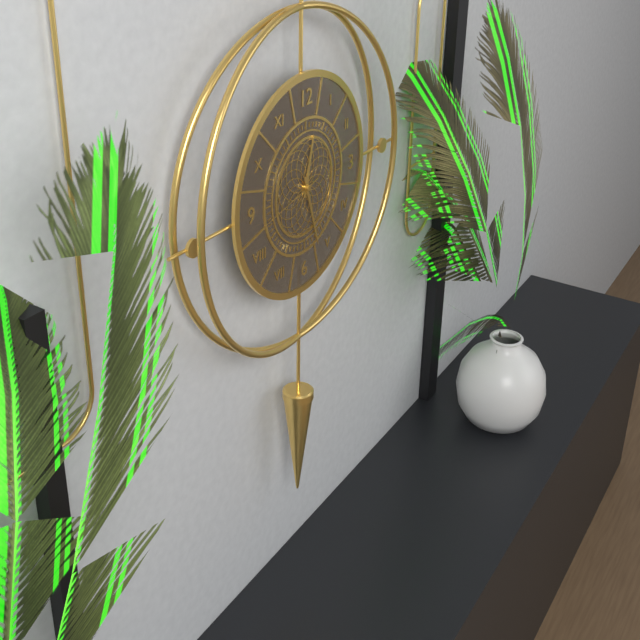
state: 12:27:43
